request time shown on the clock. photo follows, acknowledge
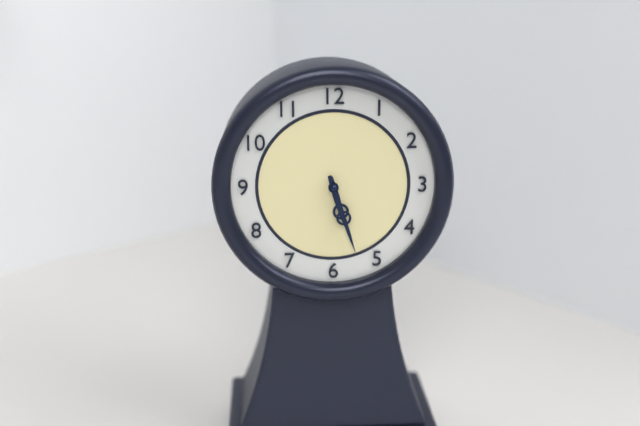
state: 5:27
